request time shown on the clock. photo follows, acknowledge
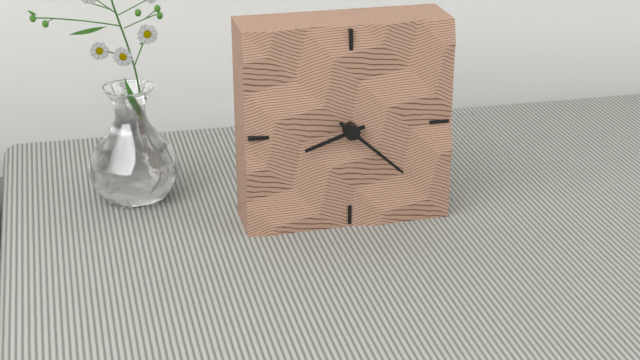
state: 8:22
